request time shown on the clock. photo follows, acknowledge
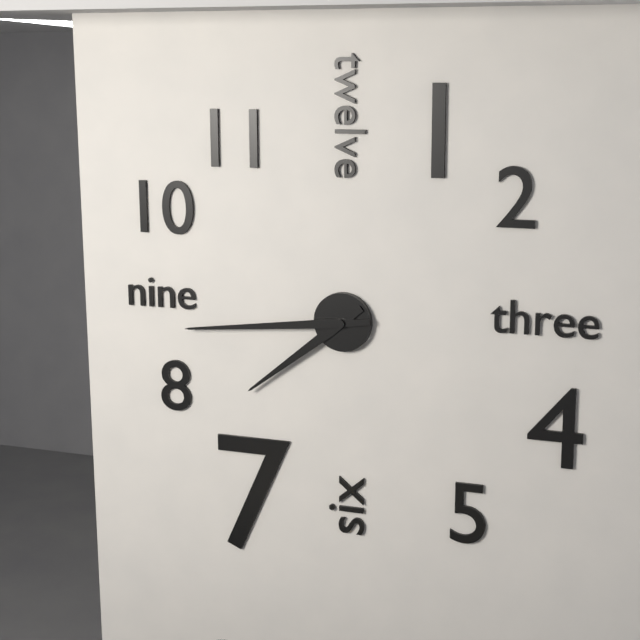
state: 7:44
